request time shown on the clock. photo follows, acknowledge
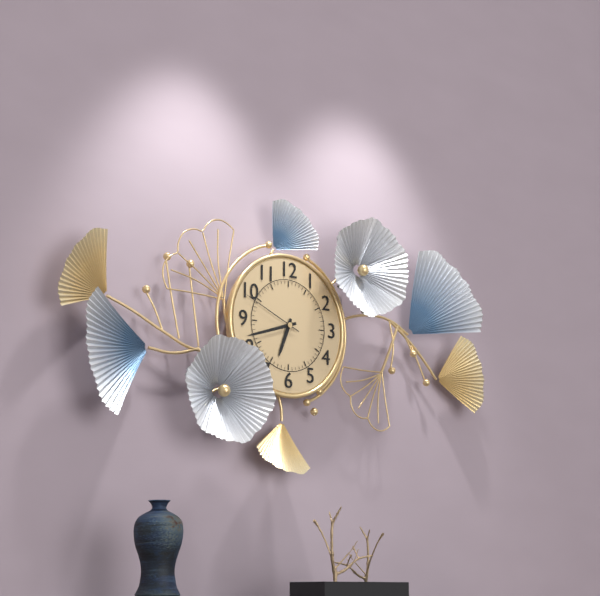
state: 6:42:49
